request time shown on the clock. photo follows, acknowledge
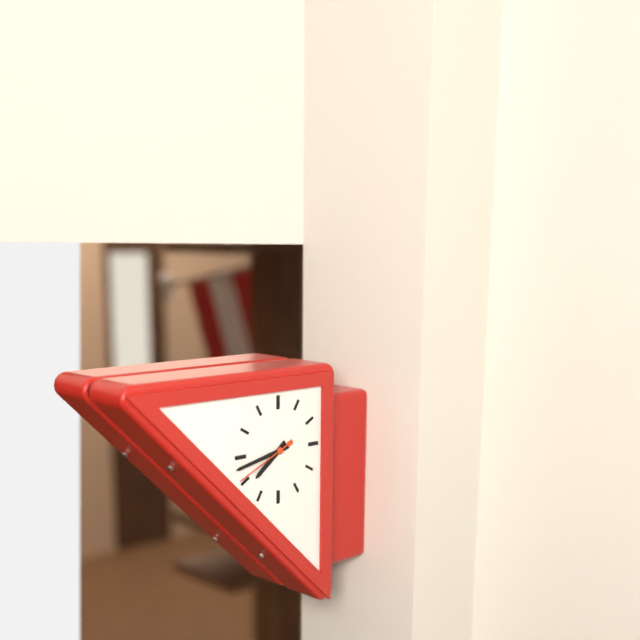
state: 7:43:41
